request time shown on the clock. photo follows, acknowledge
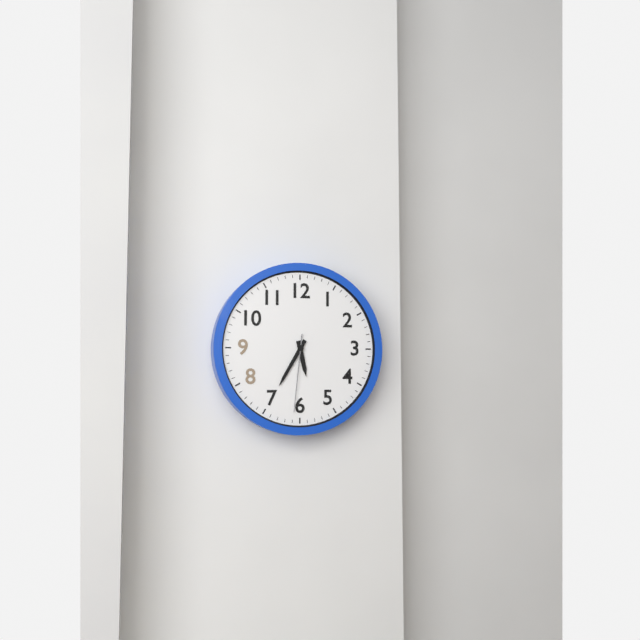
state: 5:35:31
